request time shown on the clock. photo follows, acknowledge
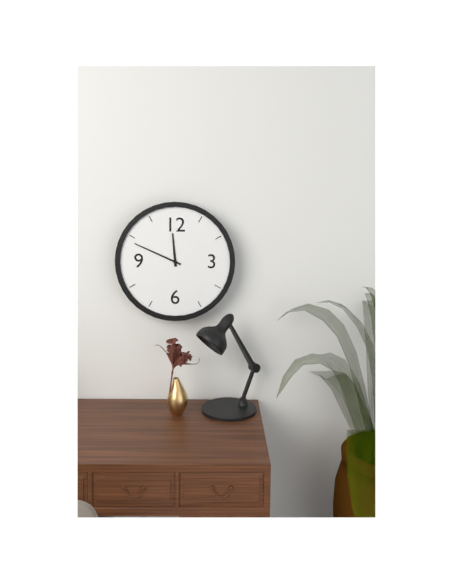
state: 11:49
